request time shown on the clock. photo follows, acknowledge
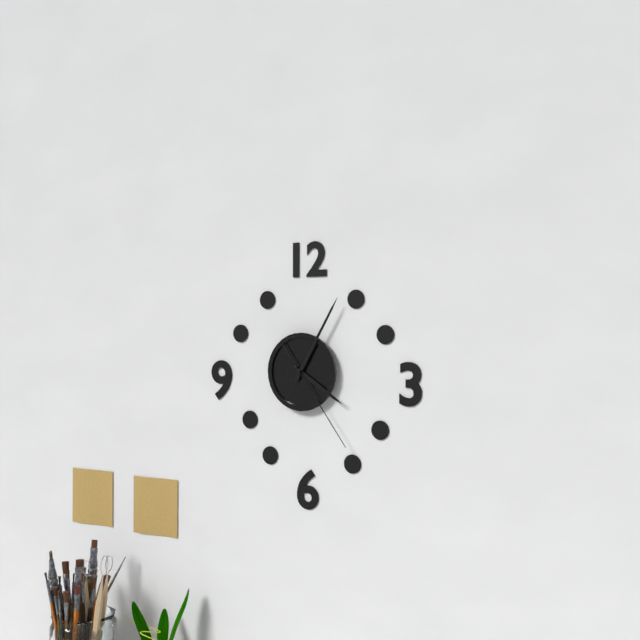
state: 4:05:24
